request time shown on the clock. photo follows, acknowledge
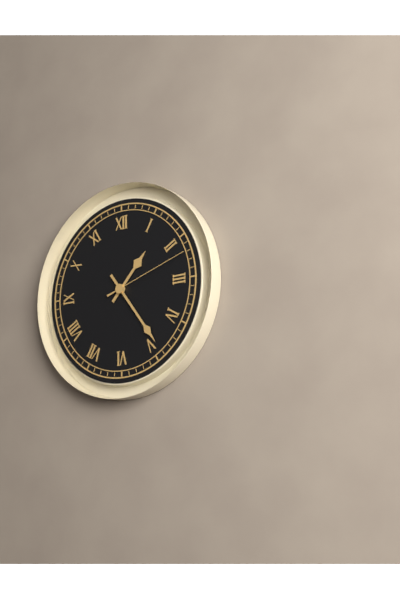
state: 1:24:12
